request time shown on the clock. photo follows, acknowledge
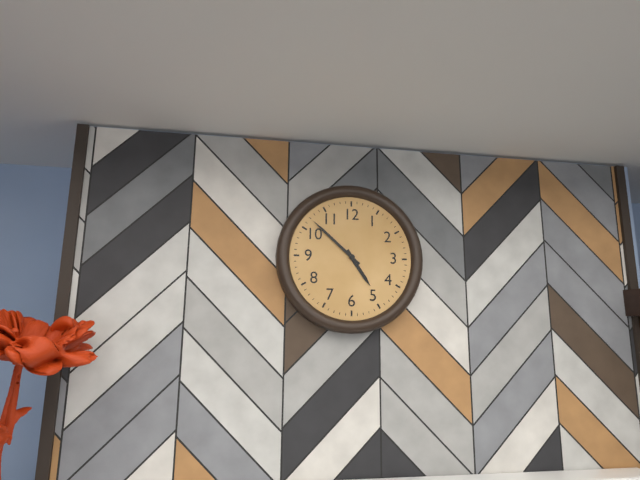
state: 4:52
